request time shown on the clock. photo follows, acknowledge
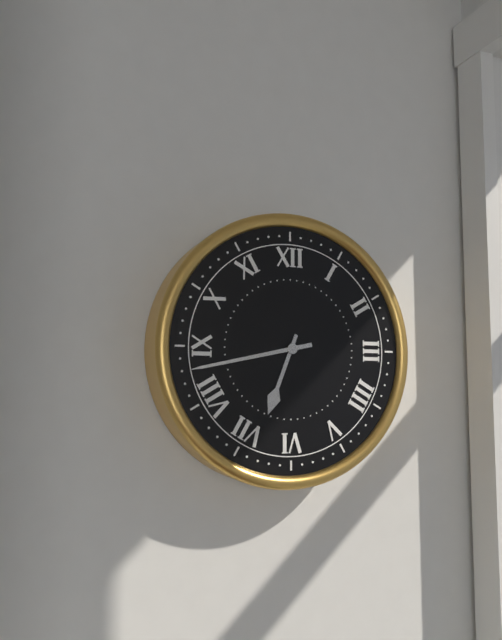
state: 6:43
